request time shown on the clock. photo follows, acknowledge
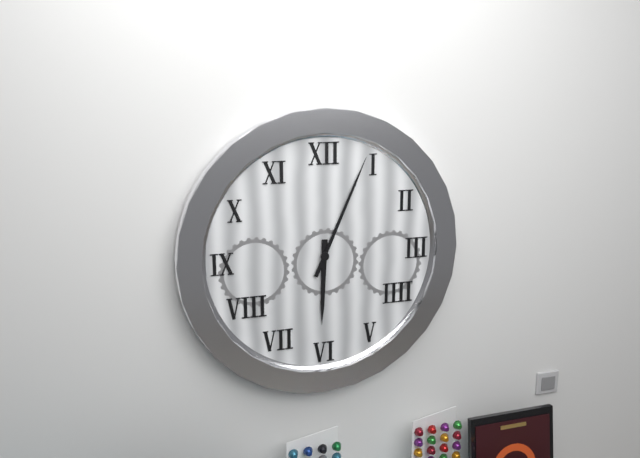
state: 6:04
